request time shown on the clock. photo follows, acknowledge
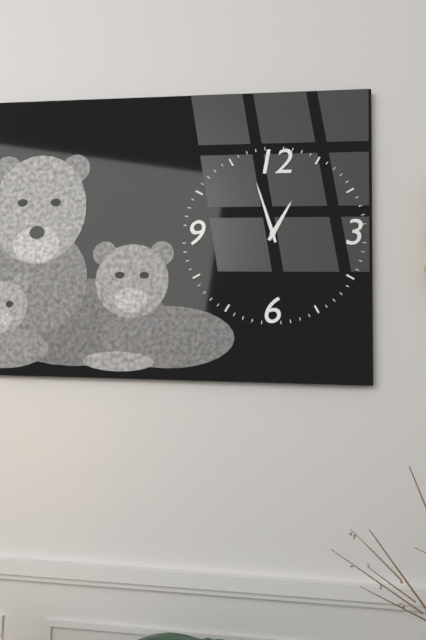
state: 12:57
